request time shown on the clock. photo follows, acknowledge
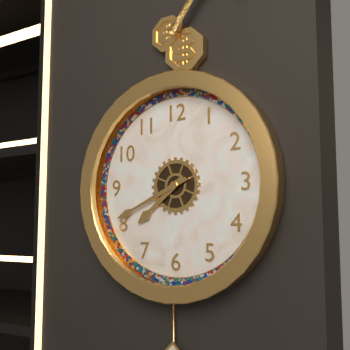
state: 7:41
